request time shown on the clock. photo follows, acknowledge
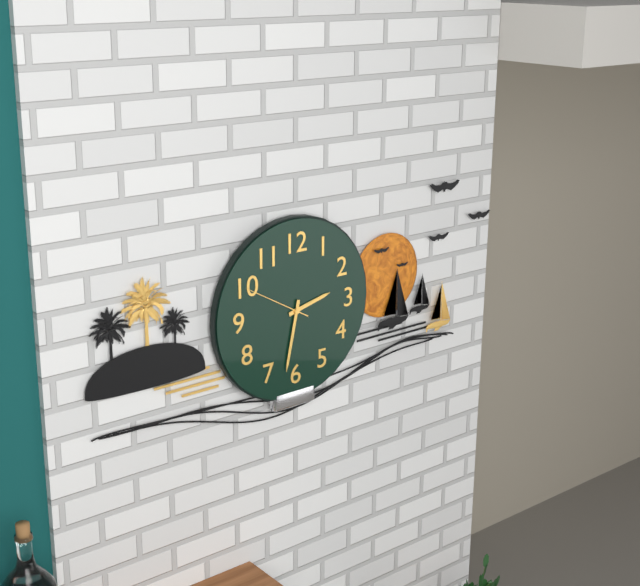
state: 2:32:50
